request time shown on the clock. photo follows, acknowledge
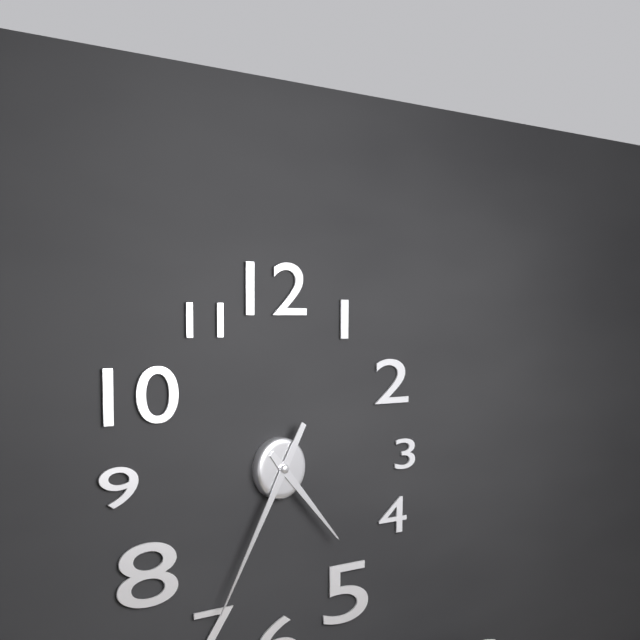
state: 4:35
